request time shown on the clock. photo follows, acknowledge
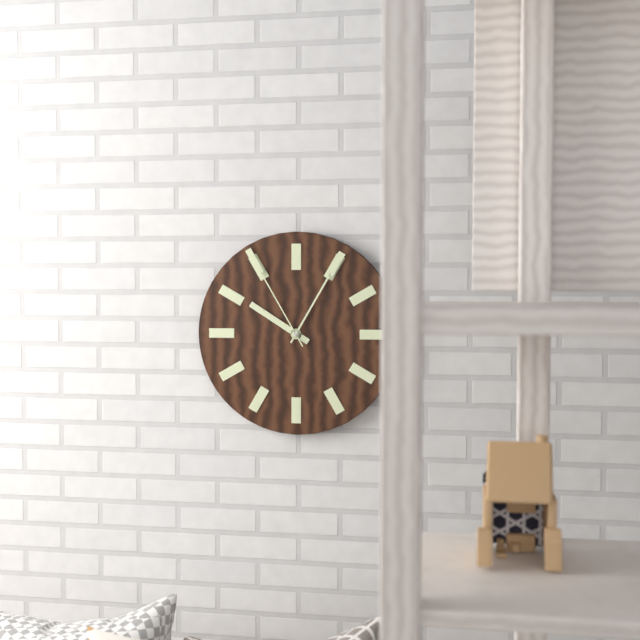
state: 10:05:55
